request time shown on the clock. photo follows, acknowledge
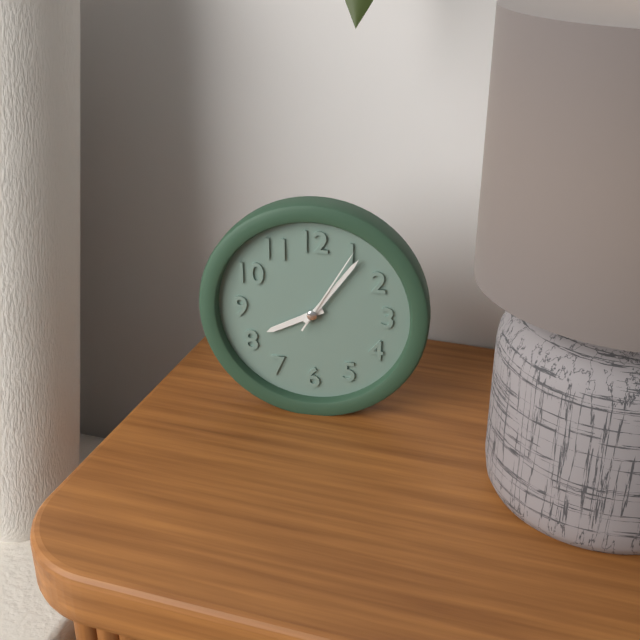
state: 8:06:05
